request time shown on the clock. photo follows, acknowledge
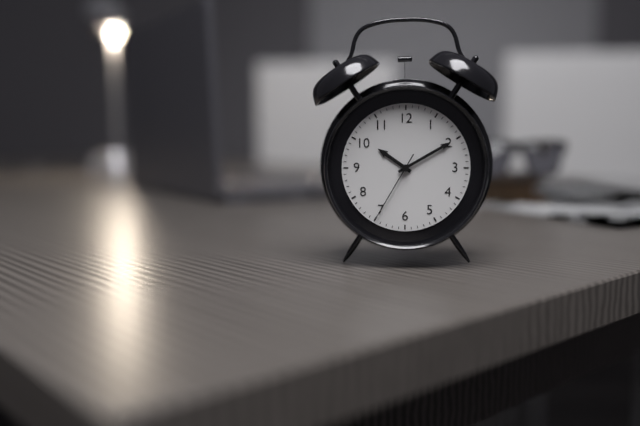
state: 10:10:35
